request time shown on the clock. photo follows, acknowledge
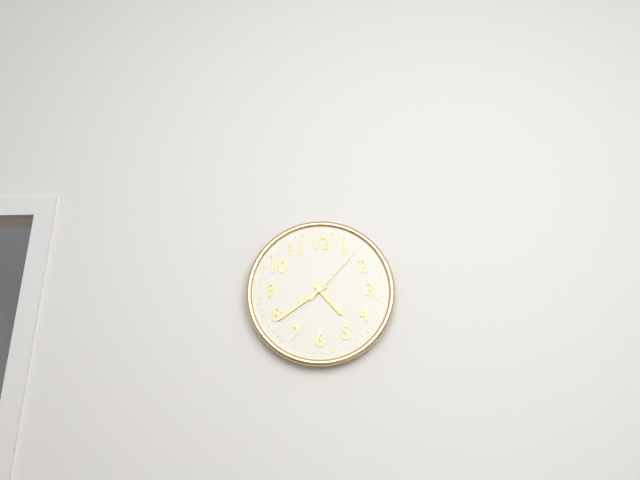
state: 4:39:07
